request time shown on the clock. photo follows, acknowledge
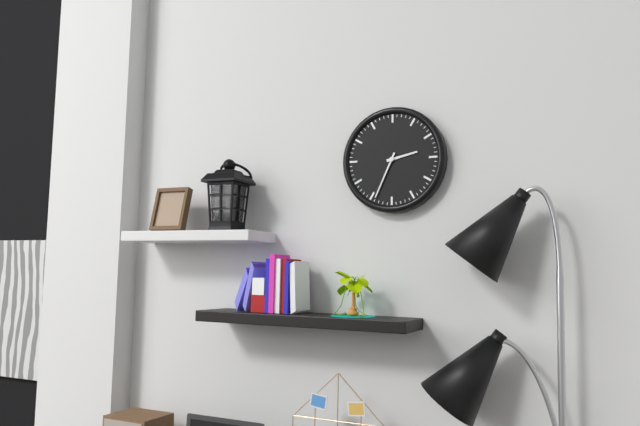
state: 2:34
